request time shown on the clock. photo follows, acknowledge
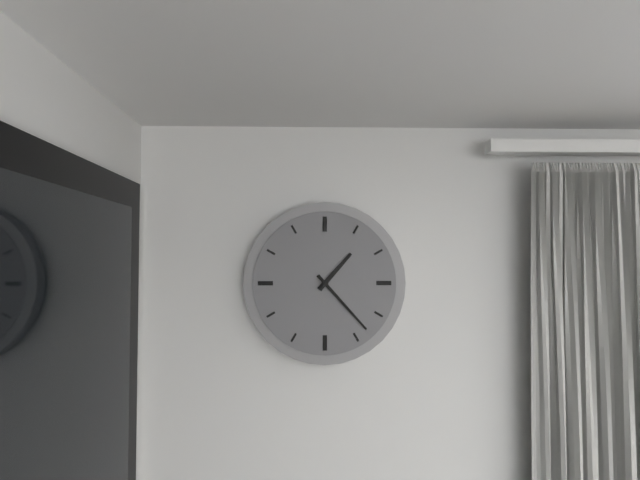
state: 1:23
